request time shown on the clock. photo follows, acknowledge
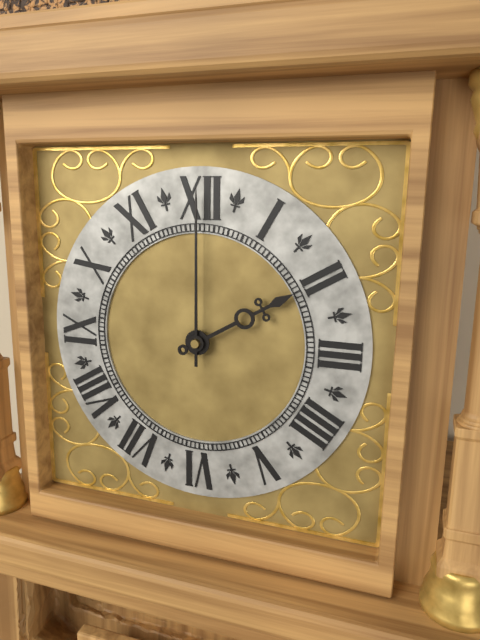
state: 2:00
